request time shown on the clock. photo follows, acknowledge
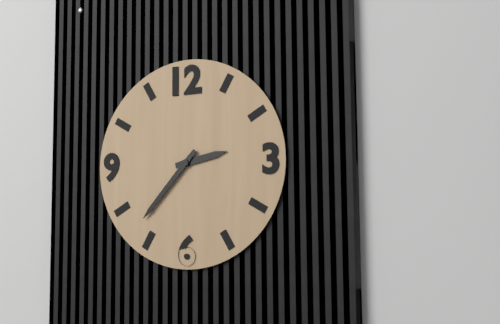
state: 2:37
